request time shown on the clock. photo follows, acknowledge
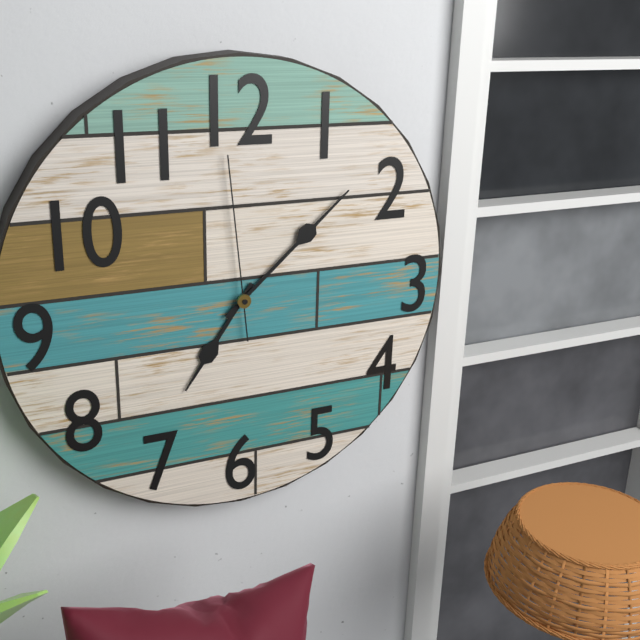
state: 7:08:59
